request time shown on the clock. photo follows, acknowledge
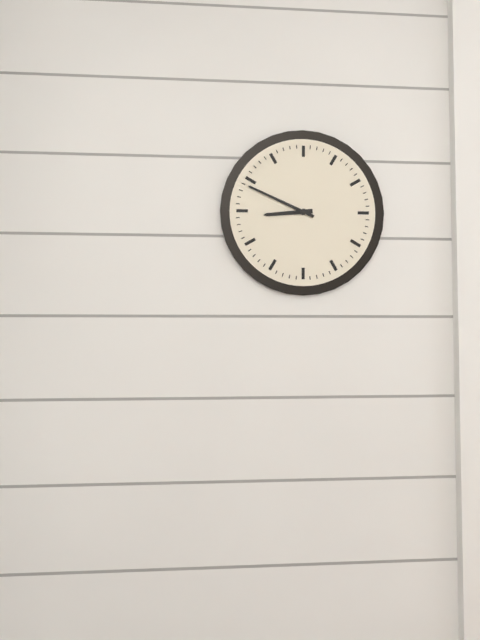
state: 8:49
